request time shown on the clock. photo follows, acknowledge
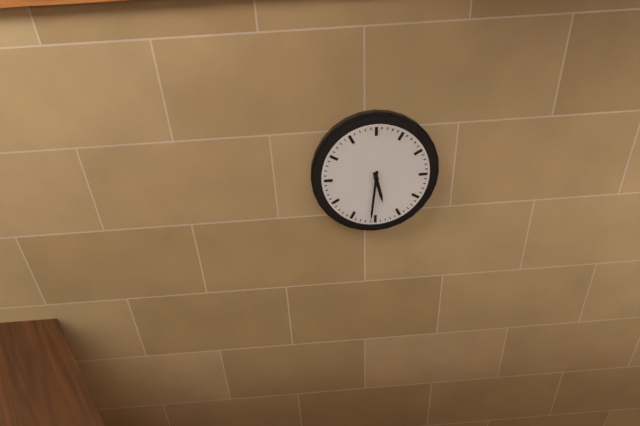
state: 5:31
